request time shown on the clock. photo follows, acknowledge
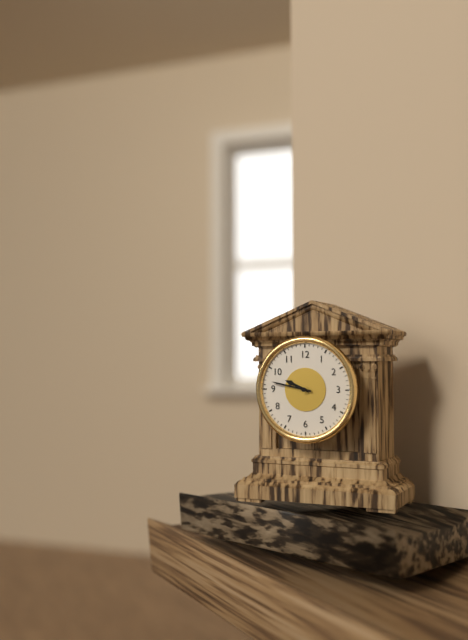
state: 9:47
